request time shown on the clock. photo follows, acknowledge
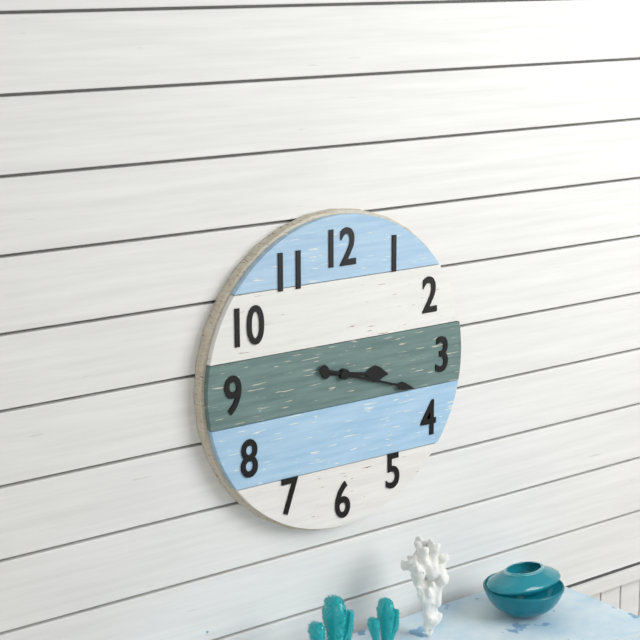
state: 3:18
